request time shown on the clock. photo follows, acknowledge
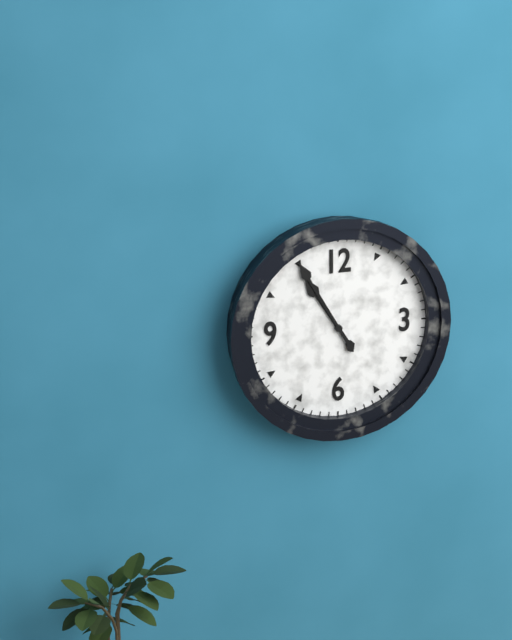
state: 10:55
